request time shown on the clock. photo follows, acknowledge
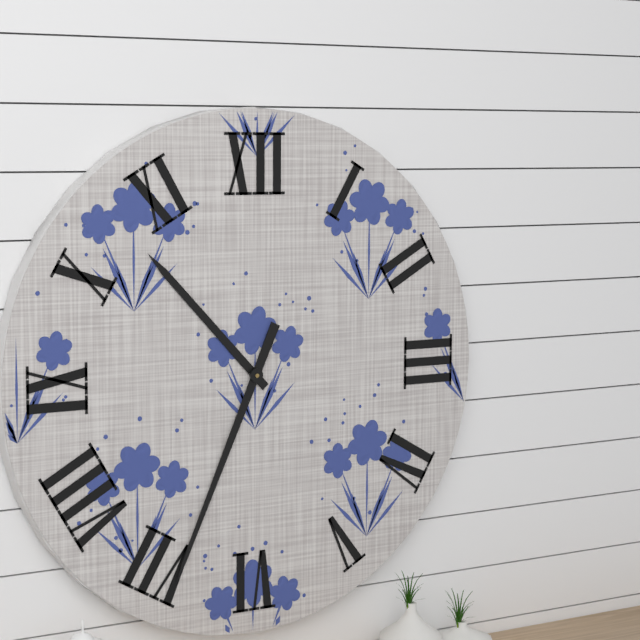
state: 10:34
